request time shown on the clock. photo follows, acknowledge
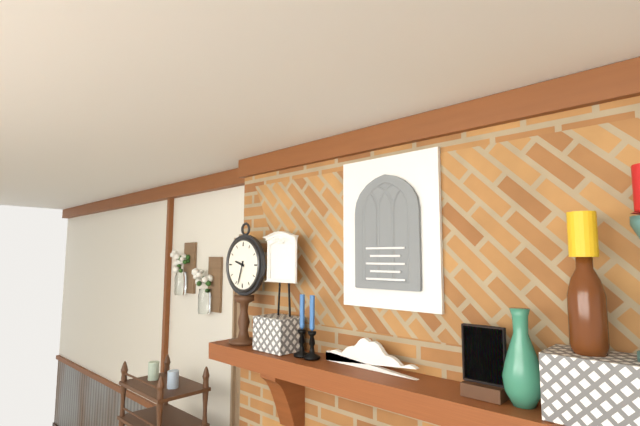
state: 9:33
